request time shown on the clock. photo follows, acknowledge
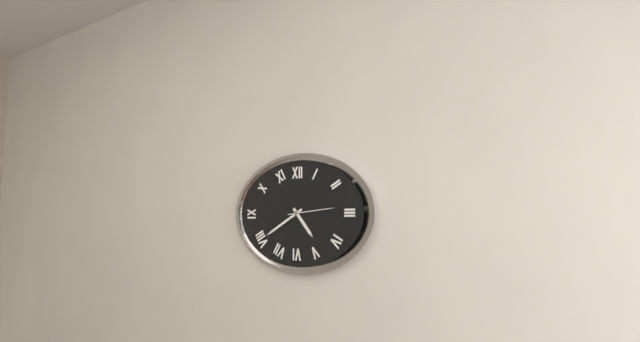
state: 4:40
